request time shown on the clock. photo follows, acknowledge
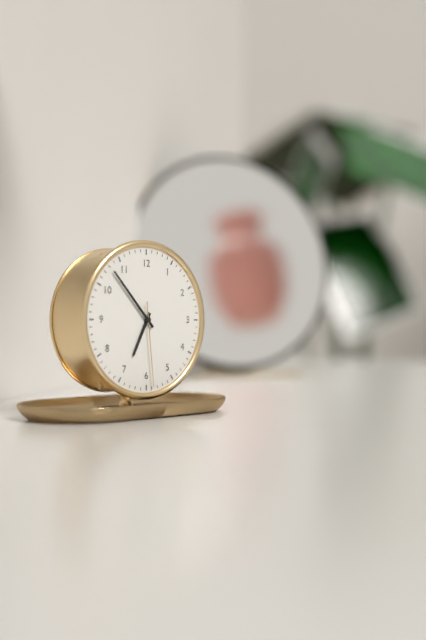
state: 6:53:29
